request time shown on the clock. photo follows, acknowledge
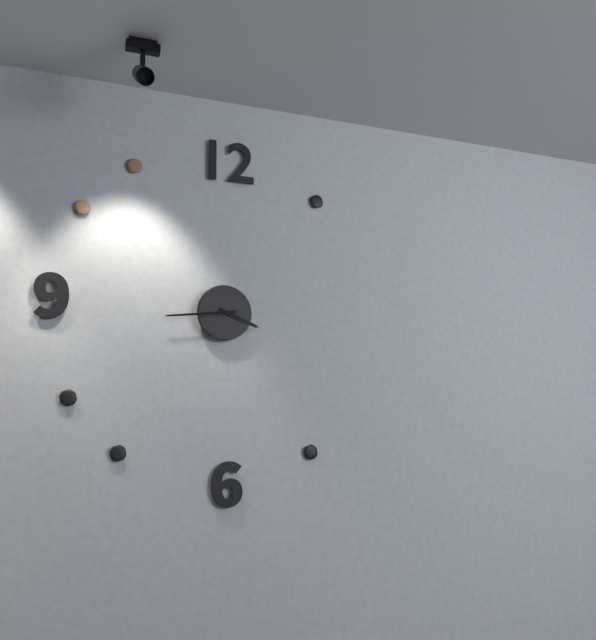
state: 3:44
